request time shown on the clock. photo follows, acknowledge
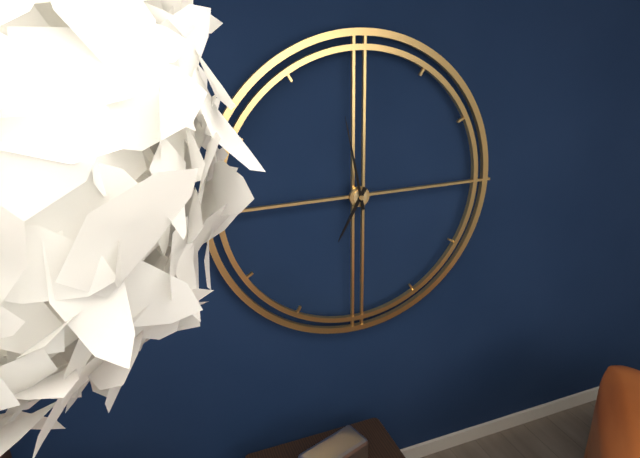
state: 6:58
